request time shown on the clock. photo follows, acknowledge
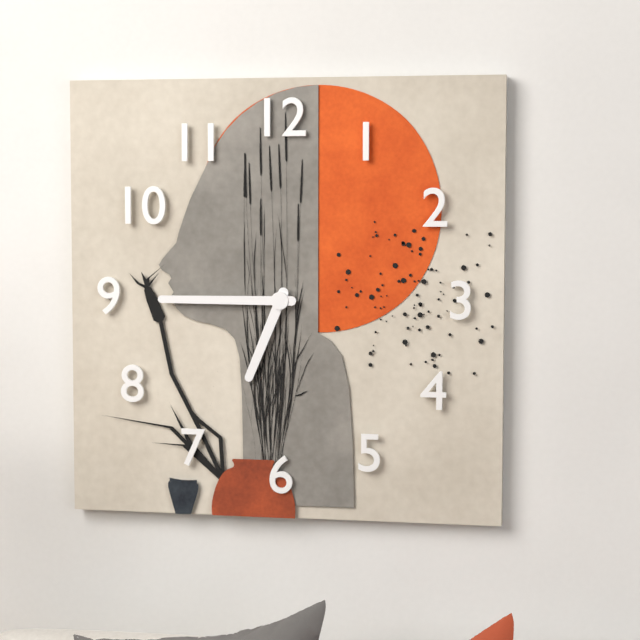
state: 6:45
